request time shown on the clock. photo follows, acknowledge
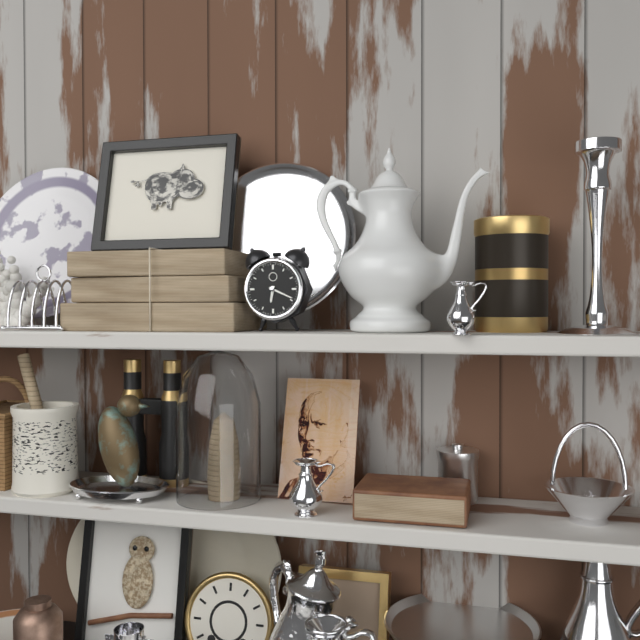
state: 6:19
